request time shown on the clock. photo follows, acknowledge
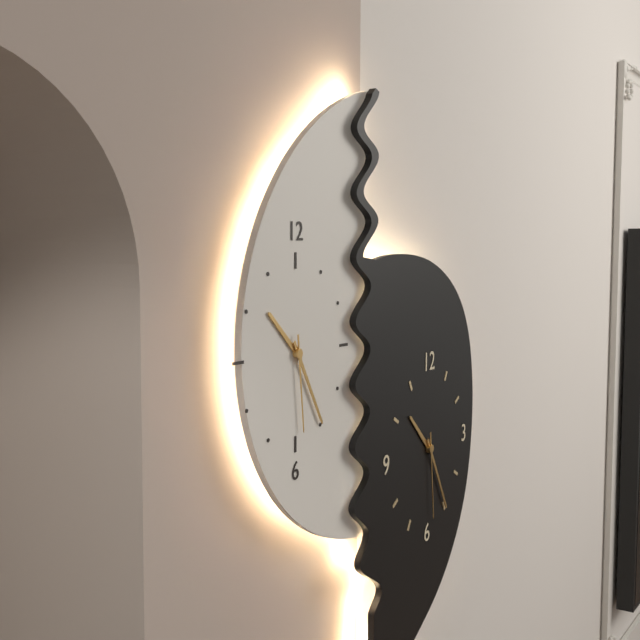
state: 10:25:29
